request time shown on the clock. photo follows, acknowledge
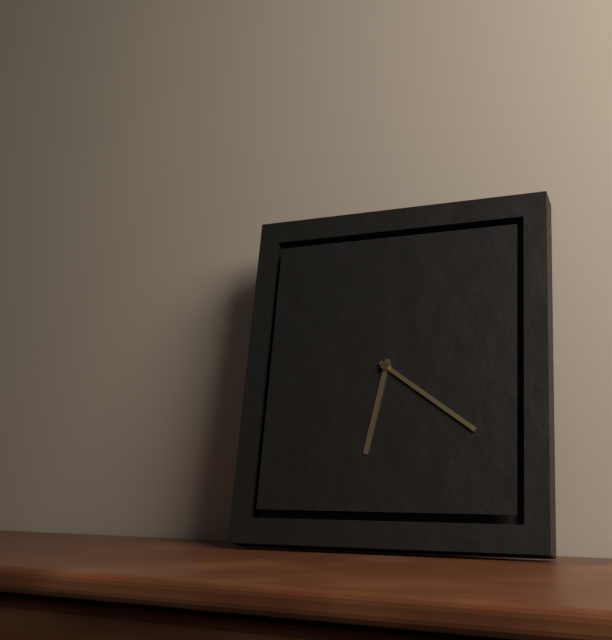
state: 6:21
